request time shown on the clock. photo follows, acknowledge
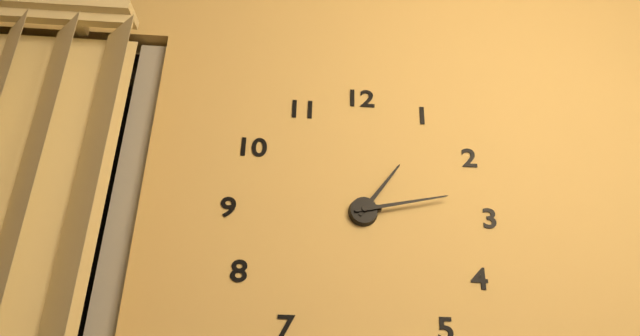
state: 1:13
